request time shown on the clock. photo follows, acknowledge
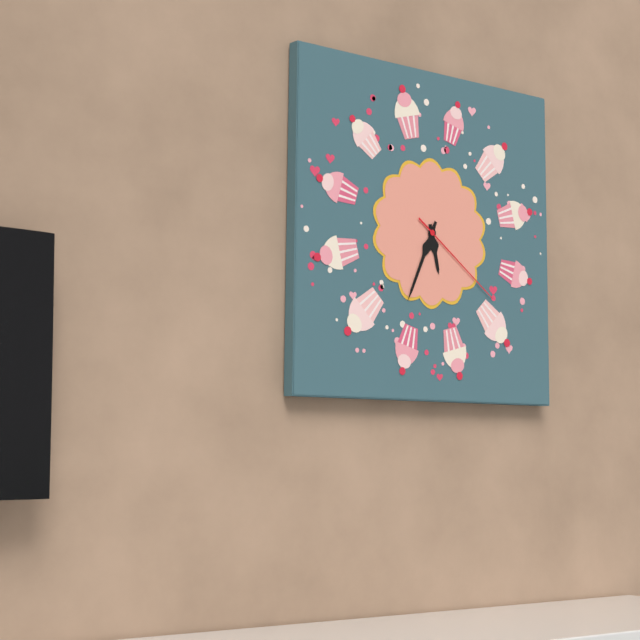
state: 5:34:21
